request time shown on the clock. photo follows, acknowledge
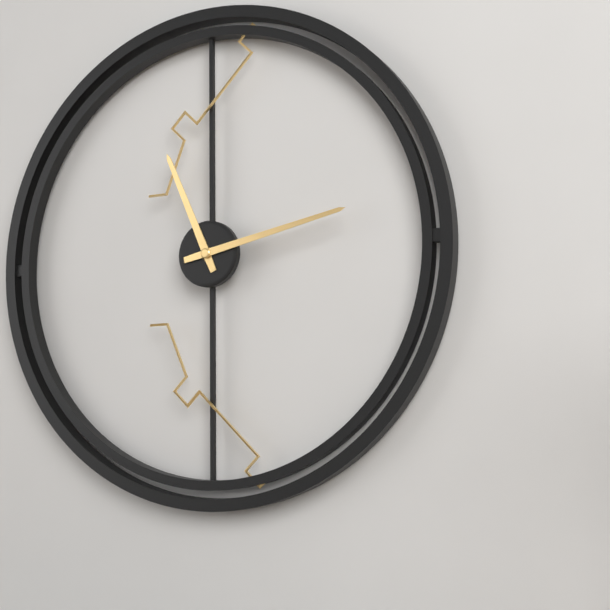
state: 11:13
